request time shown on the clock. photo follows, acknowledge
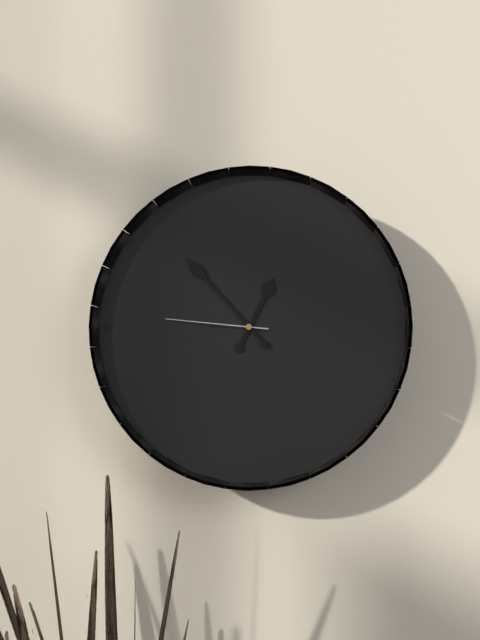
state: 12:53:46
